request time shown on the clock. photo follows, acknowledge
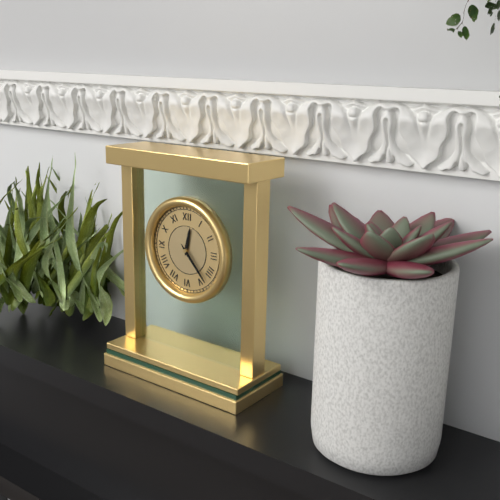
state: 12:23
